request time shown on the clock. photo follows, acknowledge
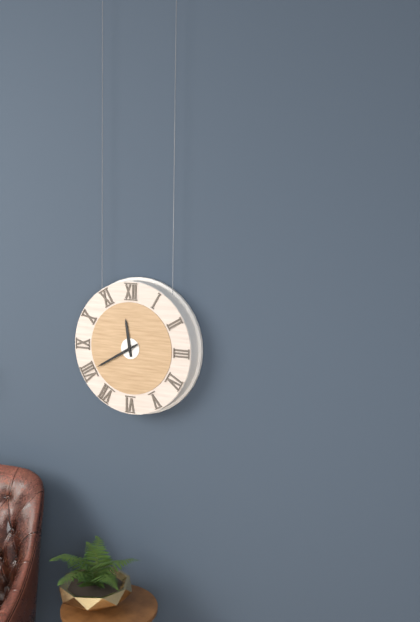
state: 11:40
